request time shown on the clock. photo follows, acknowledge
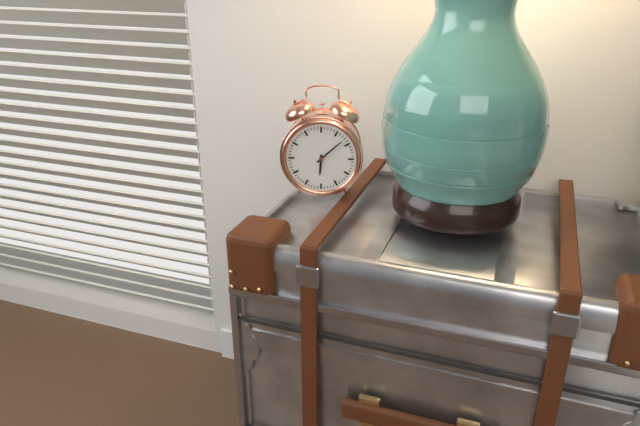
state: 6:08
